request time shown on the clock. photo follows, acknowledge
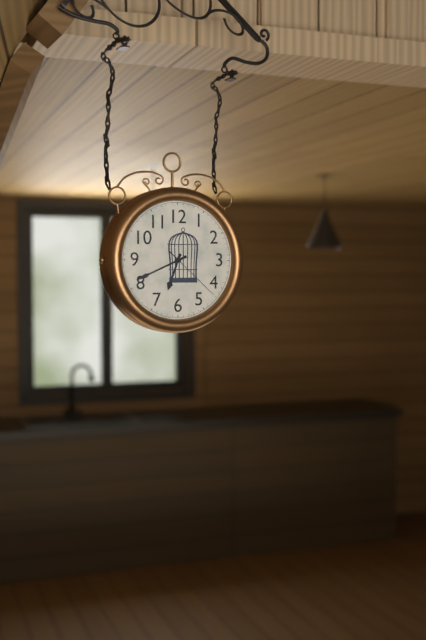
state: 6:41:22
